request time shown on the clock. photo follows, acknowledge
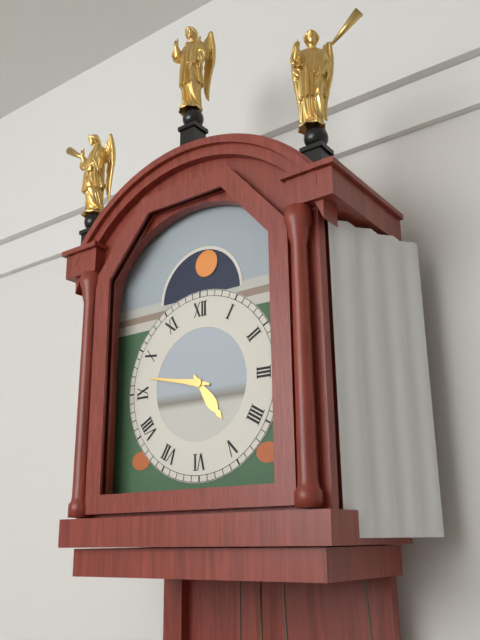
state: 4:47
